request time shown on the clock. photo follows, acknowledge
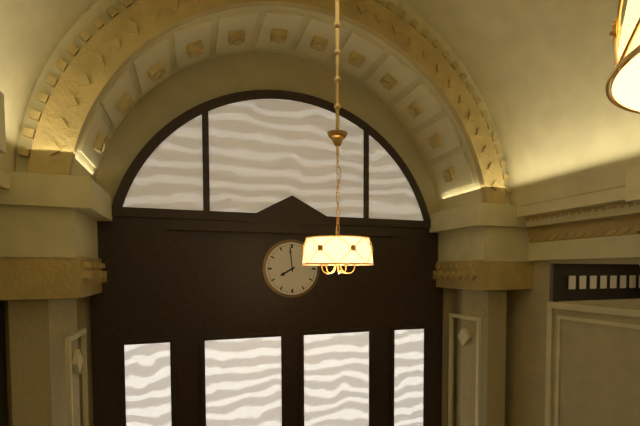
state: 7:59
